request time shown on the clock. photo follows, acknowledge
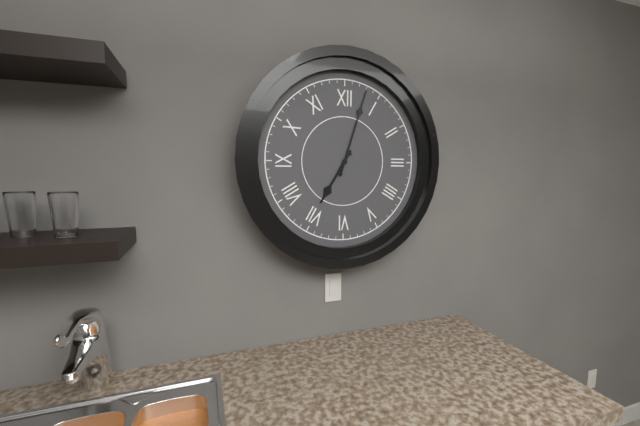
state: 7:03
